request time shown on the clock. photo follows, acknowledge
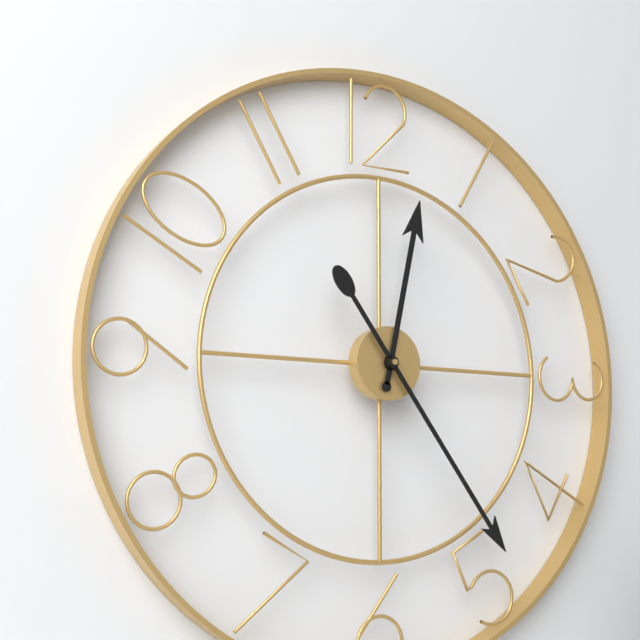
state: 12:24
